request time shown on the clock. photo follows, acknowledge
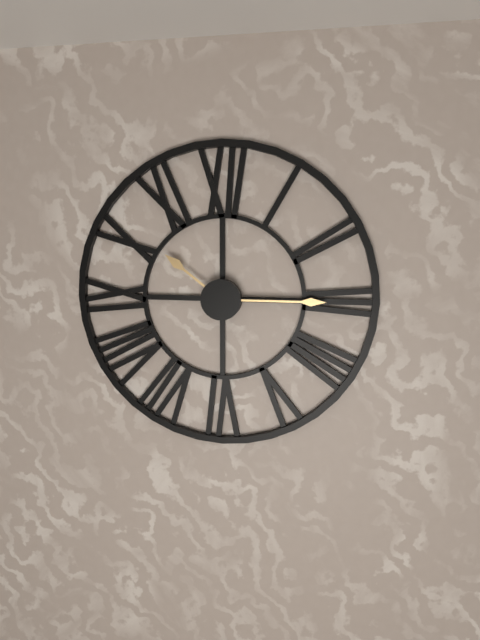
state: 10:15
